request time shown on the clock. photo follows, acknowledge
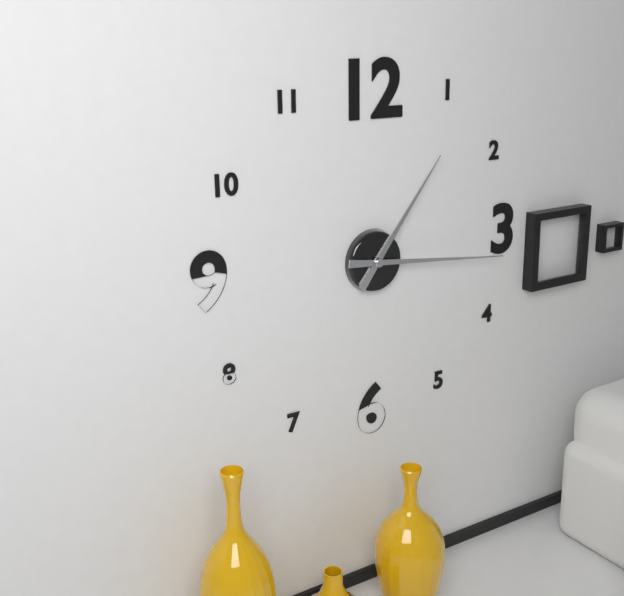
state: 1:16
